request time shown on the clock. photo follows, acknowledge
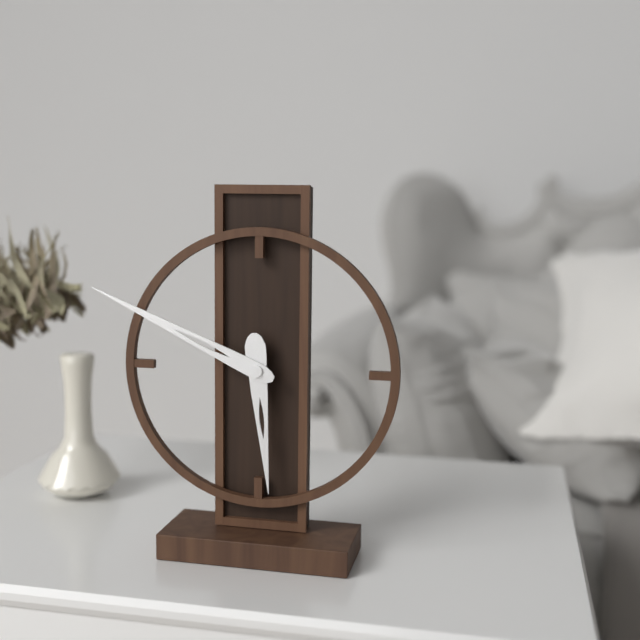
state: 5:49
